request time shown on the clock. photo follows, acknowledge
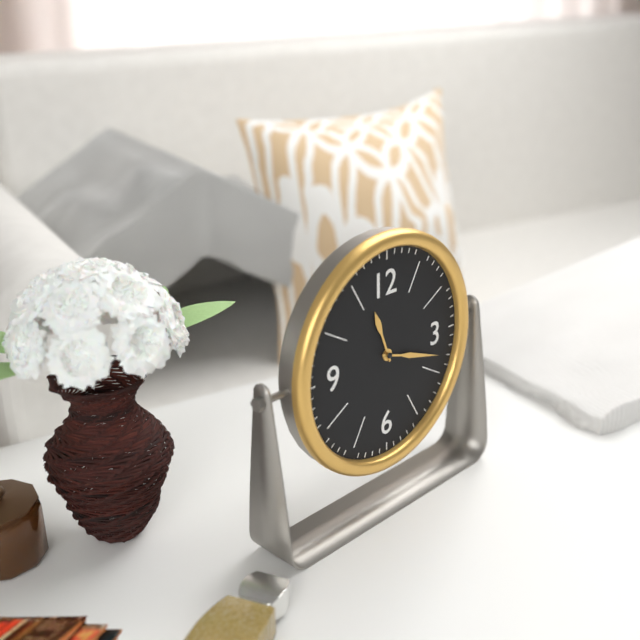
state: 11:18
